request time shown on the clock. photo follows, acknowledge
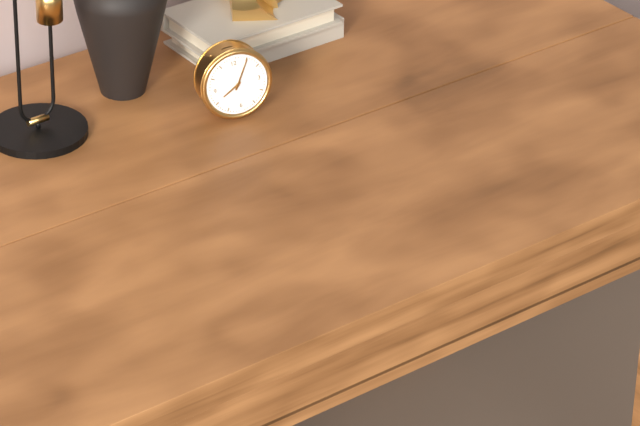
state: 8:05
